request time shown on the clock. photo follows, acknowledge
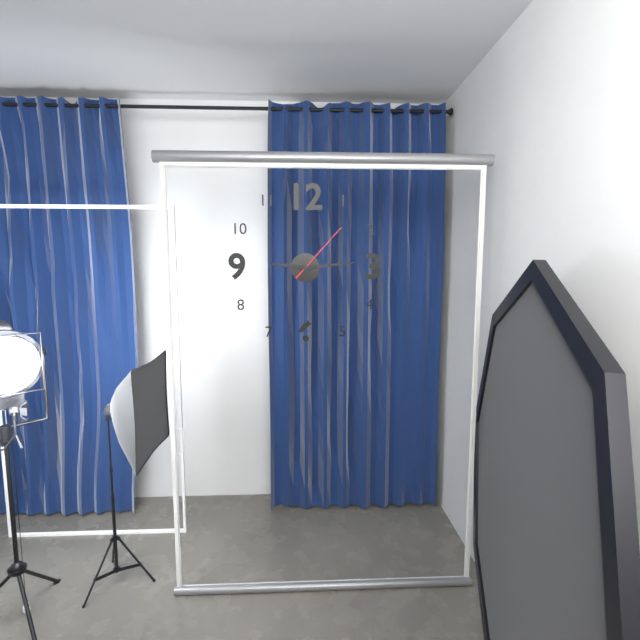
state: 9:14:07
